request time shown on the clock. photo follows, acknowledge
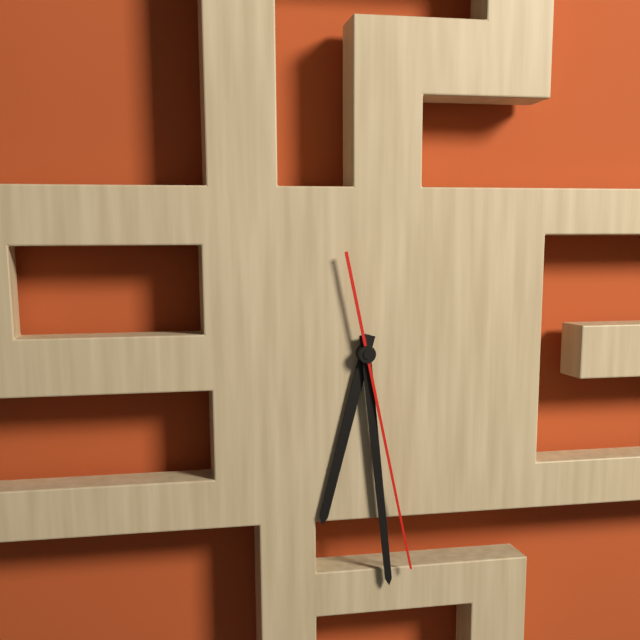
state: 6:29:28
